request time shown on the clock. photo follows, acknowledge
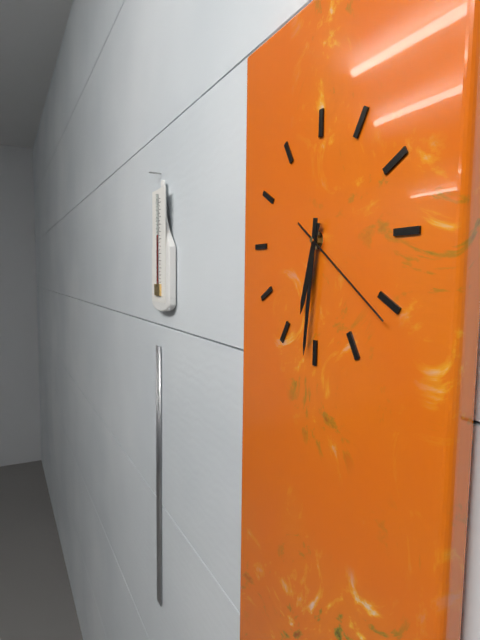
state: 6:31:21
